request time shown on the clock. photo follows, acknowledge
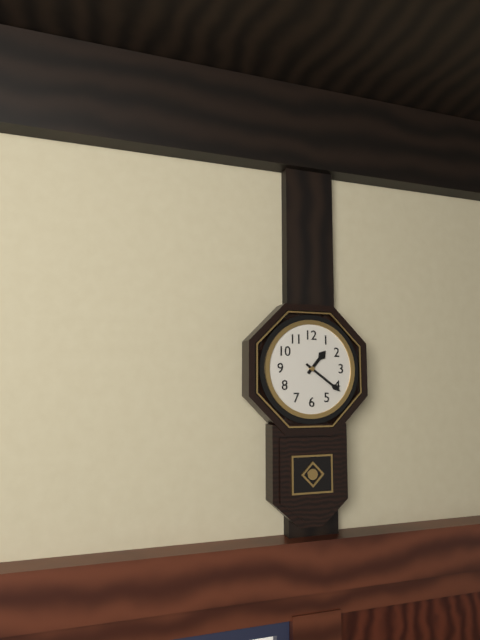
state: 1:21
